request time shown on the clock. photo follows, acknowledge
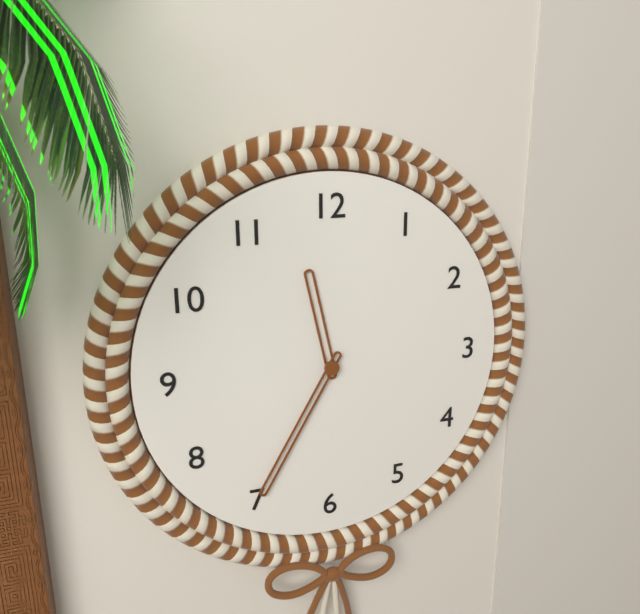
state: 11:35
